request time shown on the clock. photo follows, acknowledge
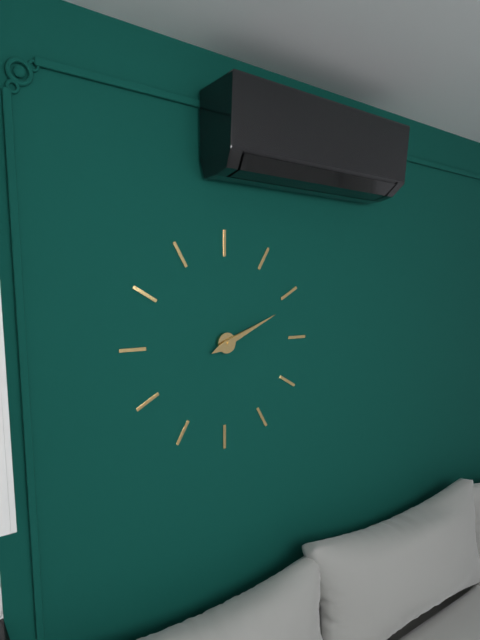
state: 2:11
